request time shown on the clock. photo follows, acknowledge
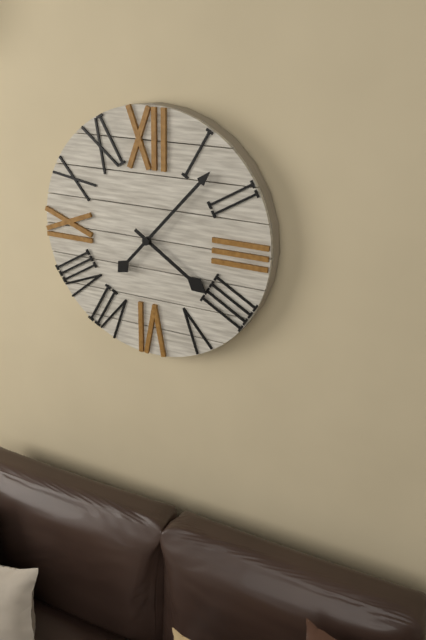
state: 4:07
